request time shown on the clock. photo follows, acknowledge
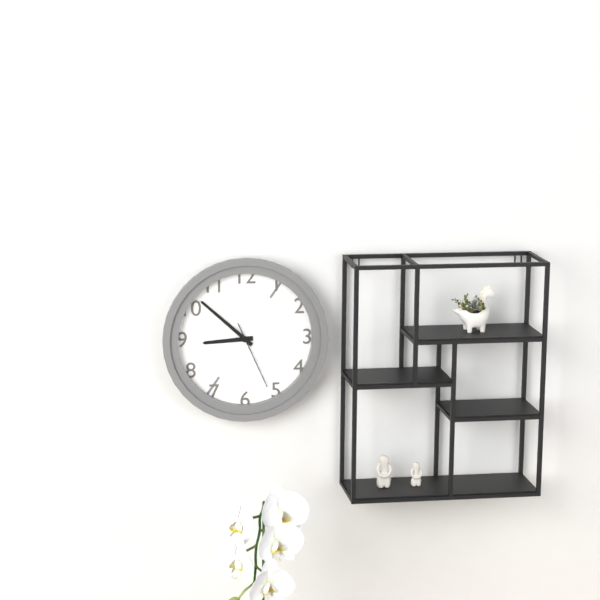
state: 8:52:26
